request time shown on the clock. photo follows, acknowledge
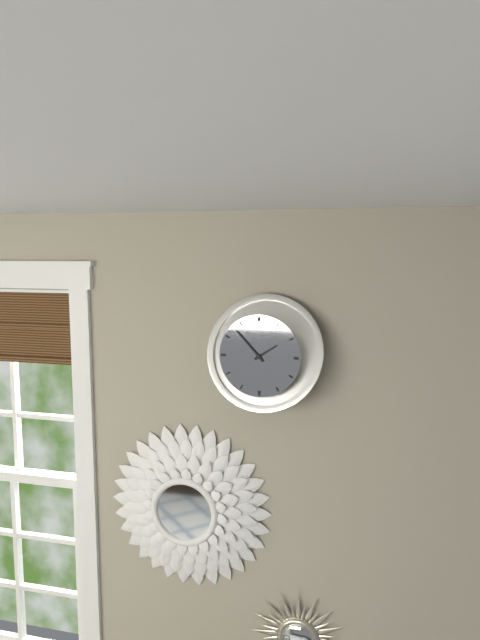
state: 1:53
